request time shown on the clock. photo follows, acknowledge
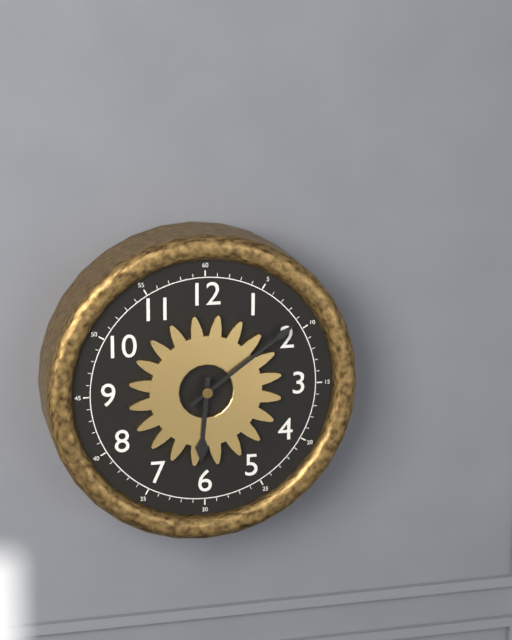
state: 6:09
